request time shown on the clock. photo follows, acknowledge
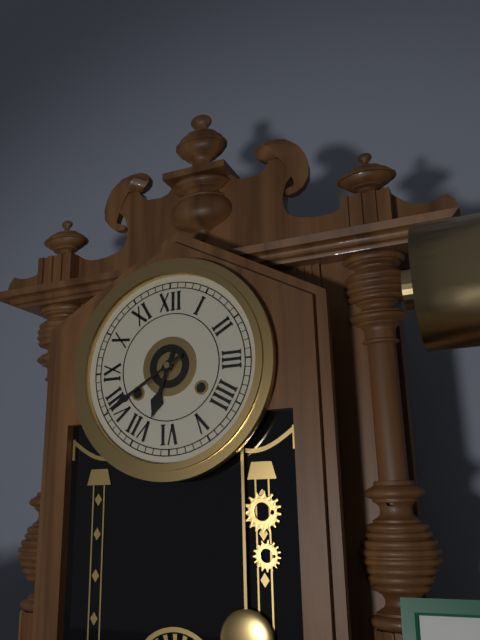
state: 6:40
